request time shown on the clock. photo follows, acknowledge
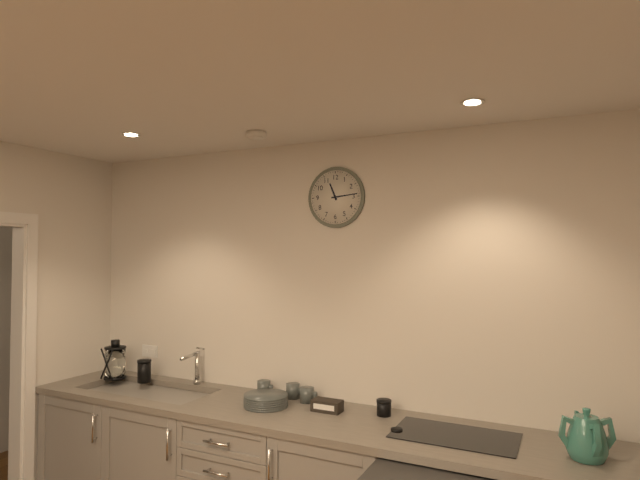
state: 11:14
